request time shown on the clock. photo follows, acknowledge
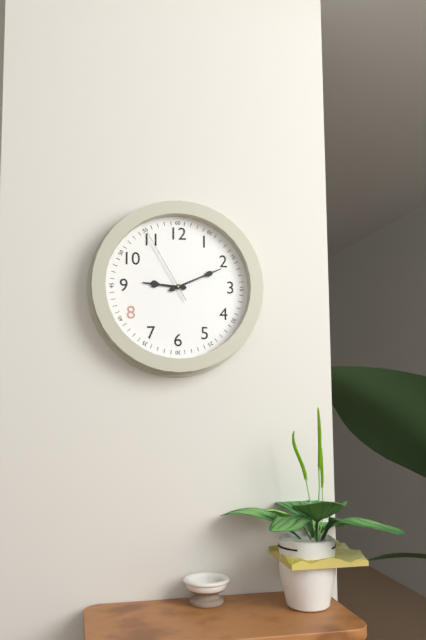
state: 9:11:55
